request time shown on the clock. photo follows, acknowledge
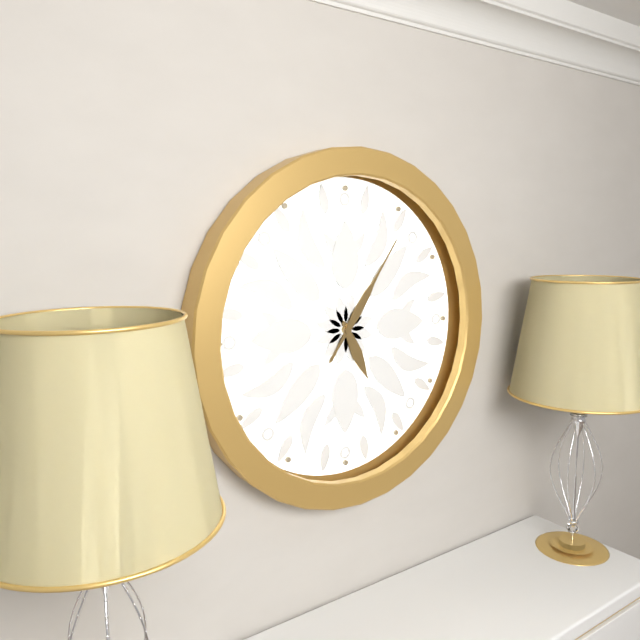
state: 5:06
